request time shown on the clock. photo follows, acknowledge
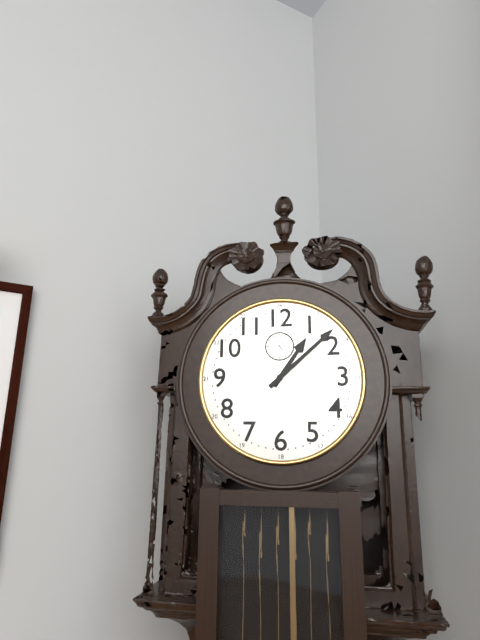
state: 1:08
